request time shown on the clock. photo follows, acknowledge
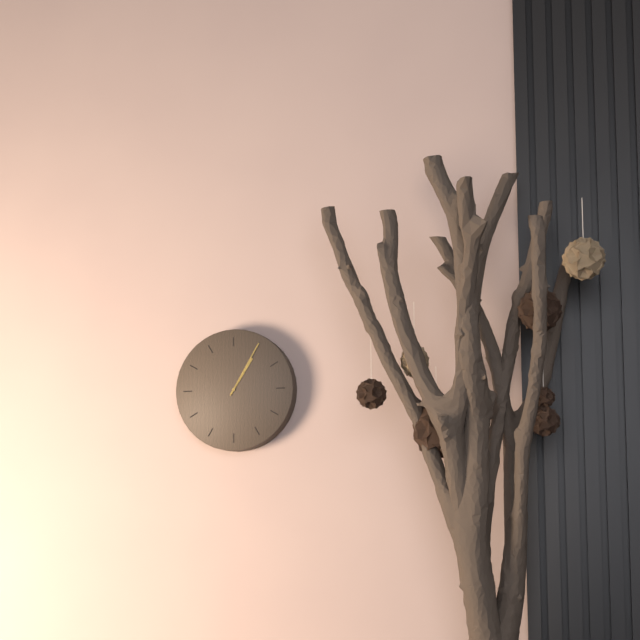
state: 1:05
